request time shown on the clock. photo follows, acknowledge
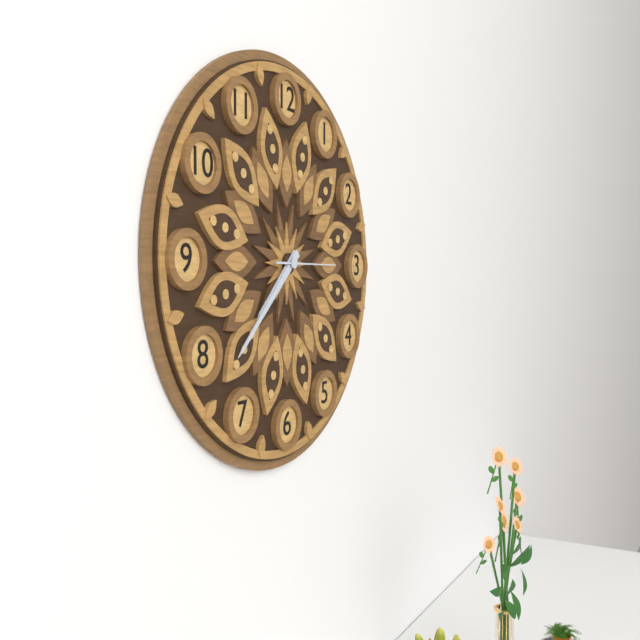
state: 7:38:15
